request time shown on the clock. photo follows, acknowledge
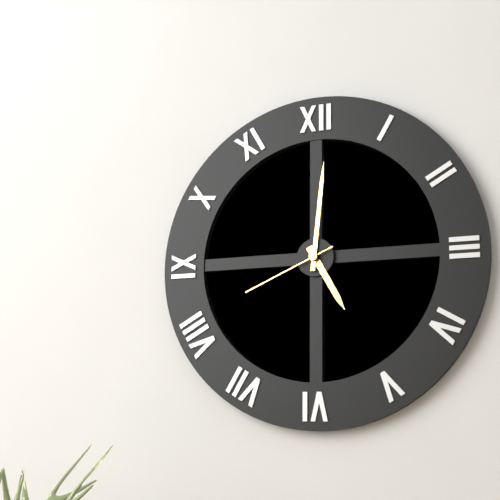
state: 5:01:41
